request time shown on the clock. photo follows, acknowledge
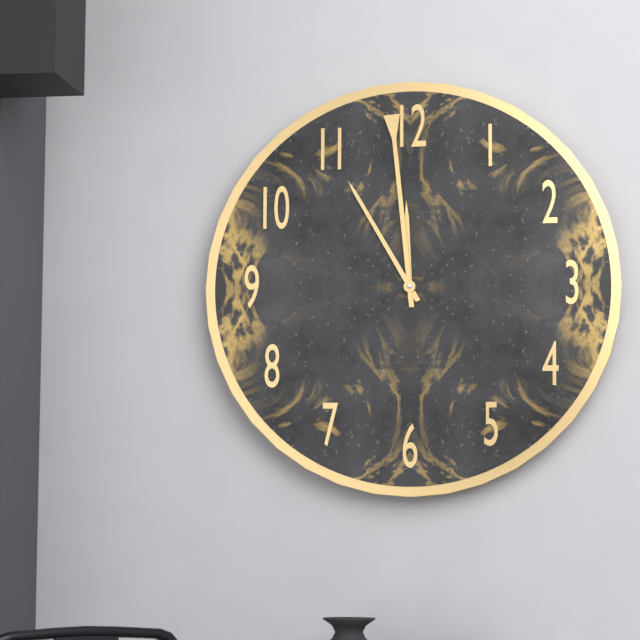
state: 11:55:59
